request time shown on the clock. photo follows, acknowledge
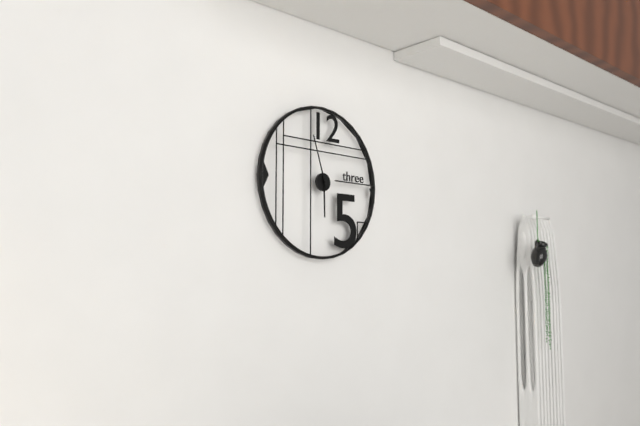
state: 5:57
